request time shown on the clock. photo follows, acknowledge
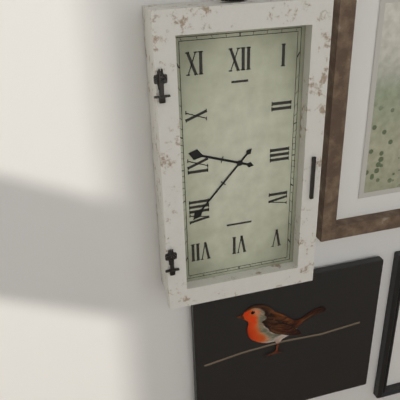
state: 9:37
